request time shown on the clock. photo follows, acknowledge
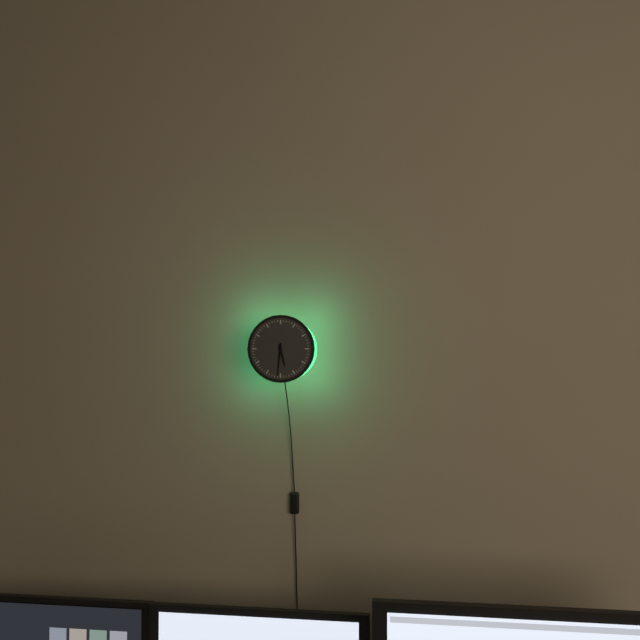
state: 5:31
